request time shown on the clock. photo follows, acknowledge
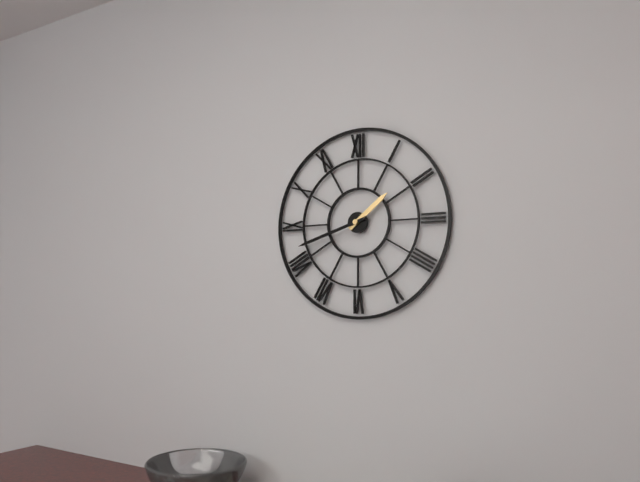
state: 1:42
